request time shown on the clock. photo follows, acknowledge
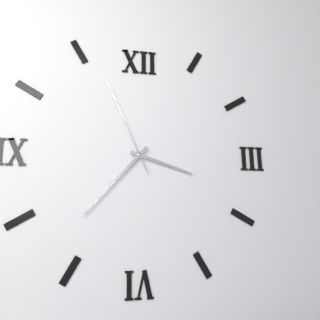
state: 3:37:56
